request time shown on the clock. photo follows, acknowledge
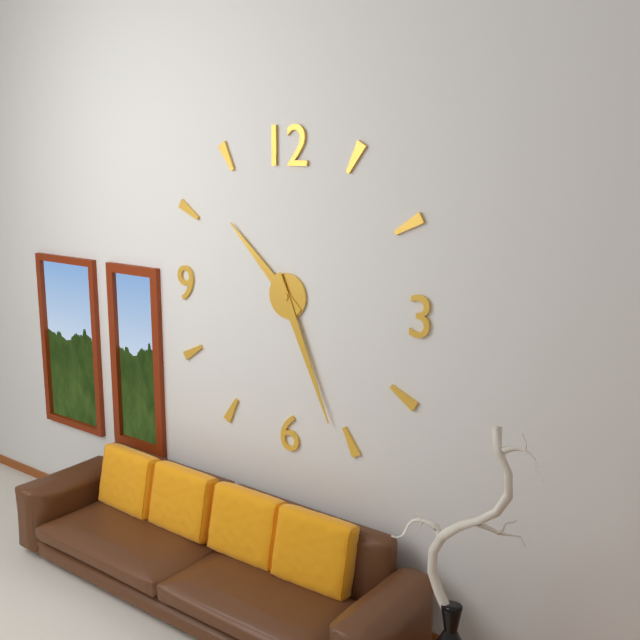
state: 10:26
